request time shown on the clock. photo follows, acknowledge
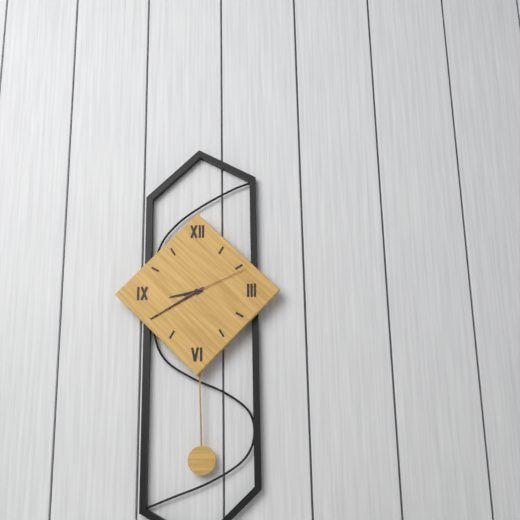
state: 8:40:11
